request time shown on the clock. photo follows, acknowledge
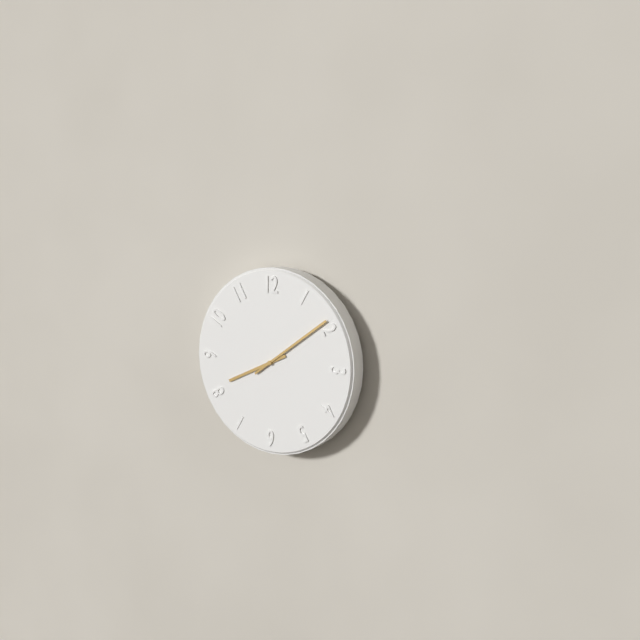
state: 8:09
